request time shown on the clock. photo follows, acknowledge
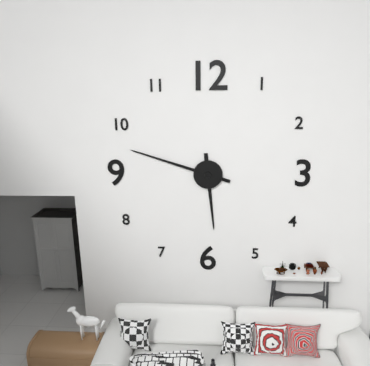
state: 5:48
